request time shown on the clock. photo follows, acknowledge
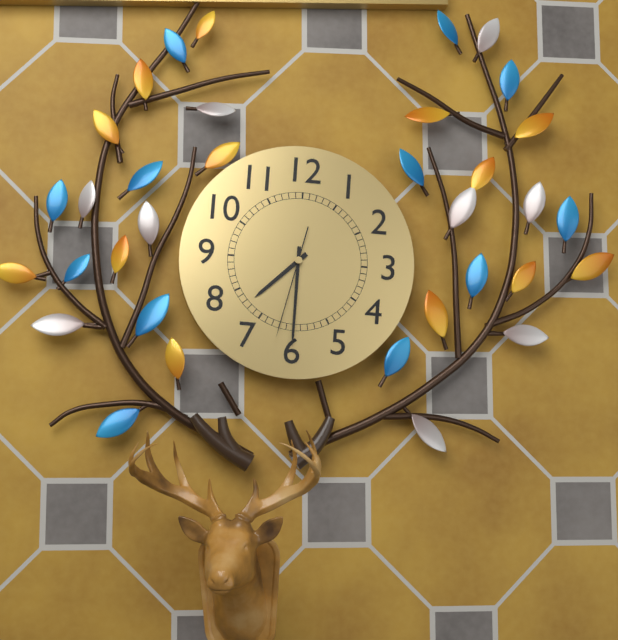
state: 7:30:32
